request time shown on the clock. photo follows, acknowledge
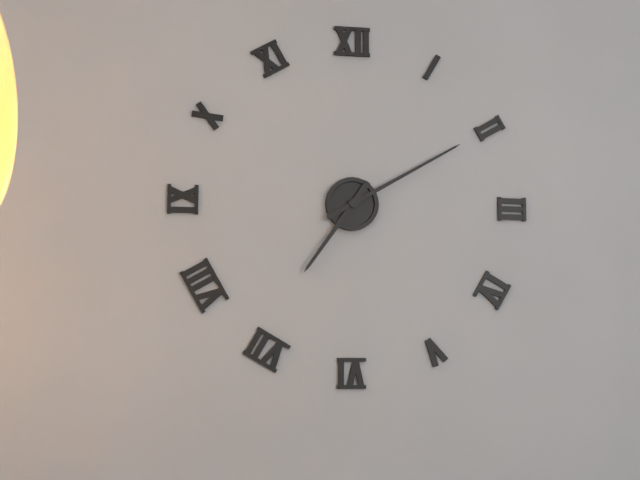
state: 7:10
